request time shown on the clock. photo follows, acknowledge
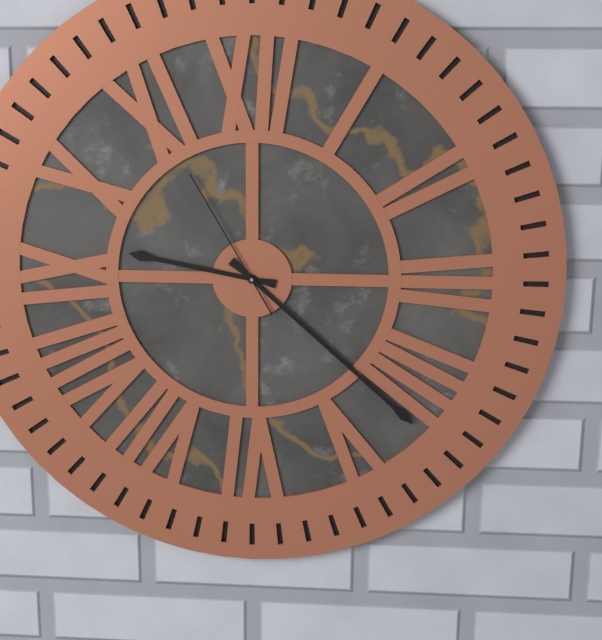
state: 9:22:55
